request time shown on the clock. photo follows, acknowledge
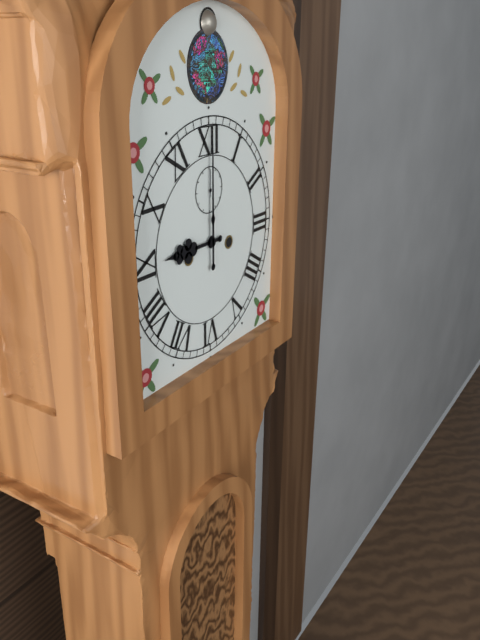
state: 9:00
